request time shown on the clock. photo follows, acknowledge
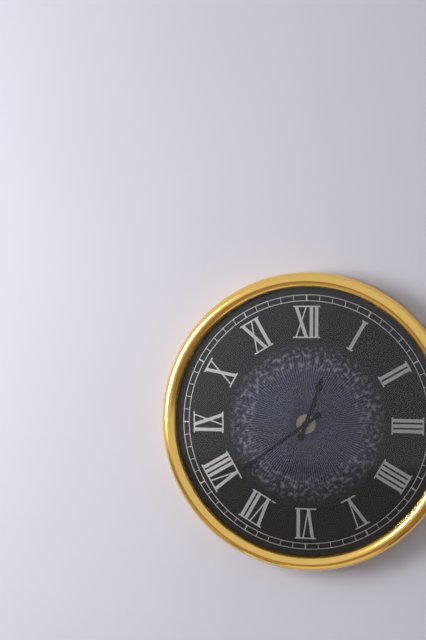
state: 12:39:34
